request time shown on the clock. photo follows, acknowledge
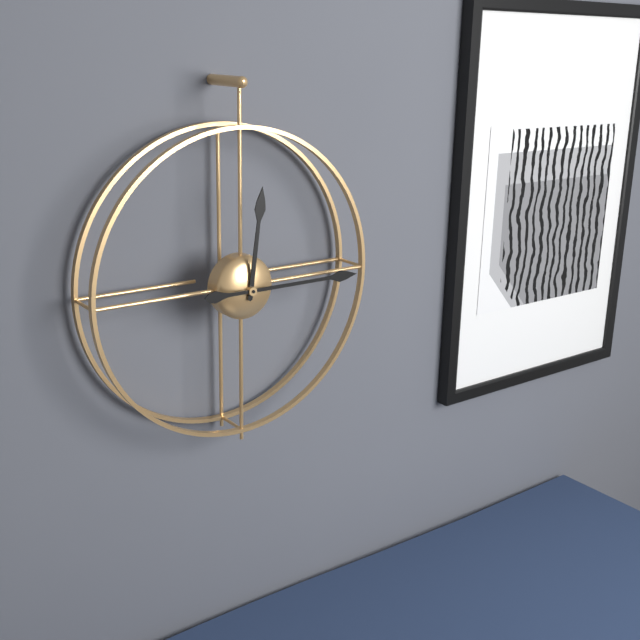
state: 12:15
